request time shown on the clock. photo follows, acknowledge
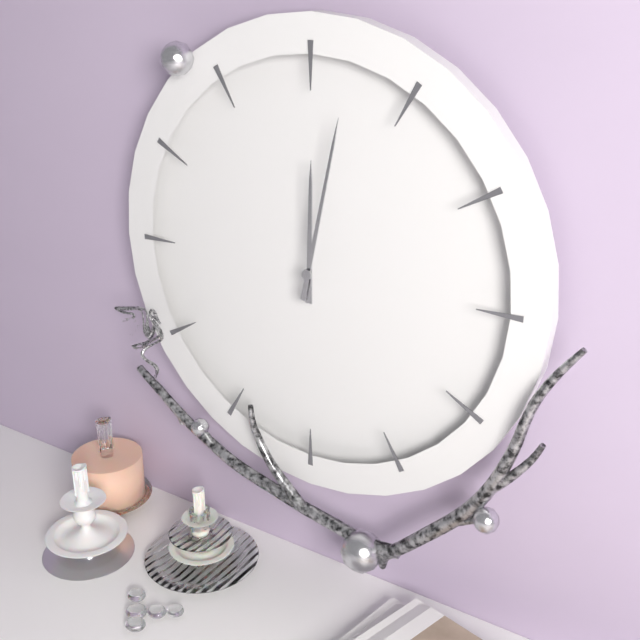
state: 12:02
